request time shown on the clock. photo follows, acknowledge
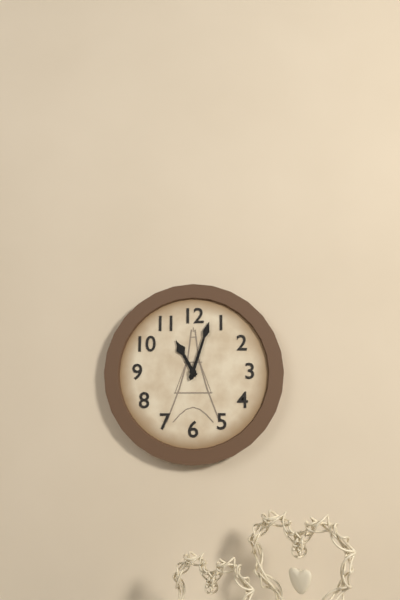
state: 11:03
